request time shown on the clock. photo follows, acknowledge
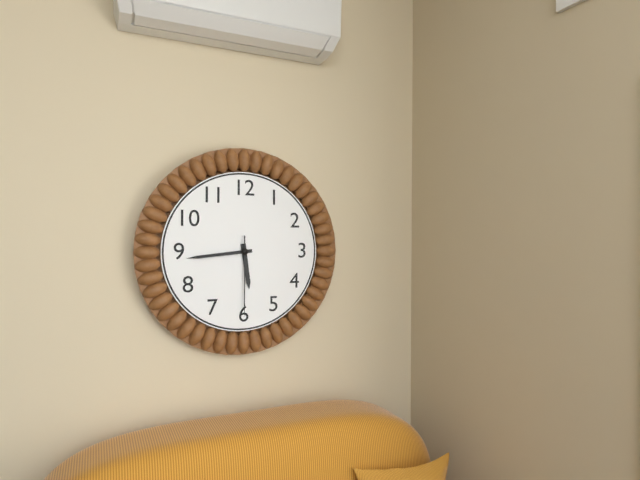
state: 5:44:30
